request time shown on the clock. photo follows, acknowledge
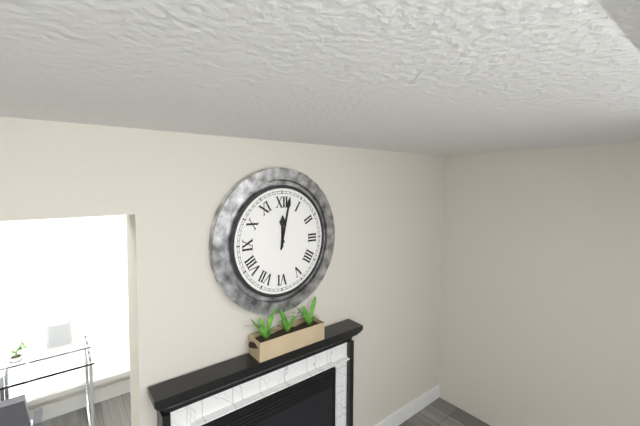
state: 12:02
